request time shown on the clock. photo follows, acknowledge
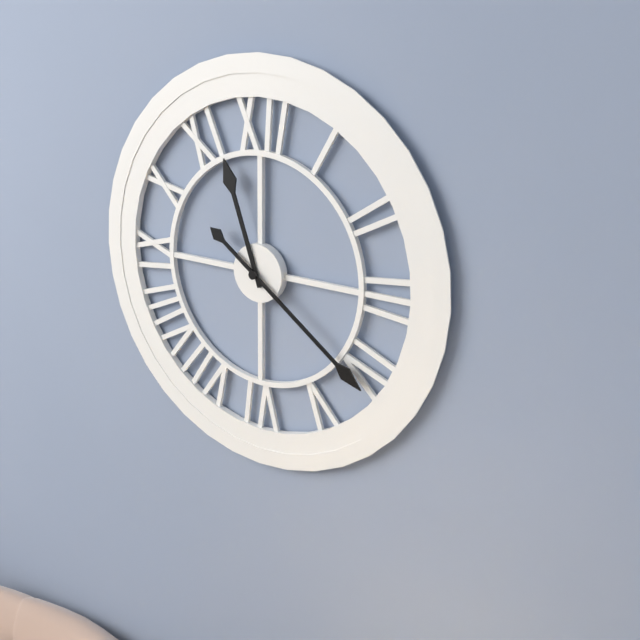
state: 11:21
